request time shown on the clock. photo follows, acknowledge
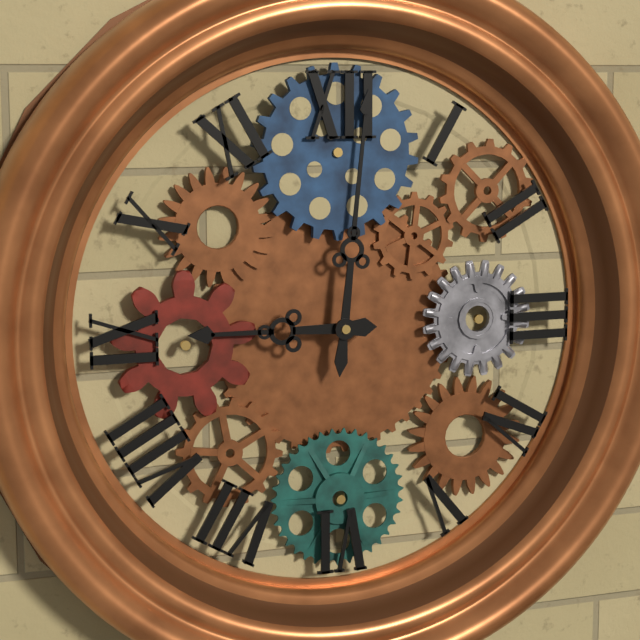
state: 9:01
